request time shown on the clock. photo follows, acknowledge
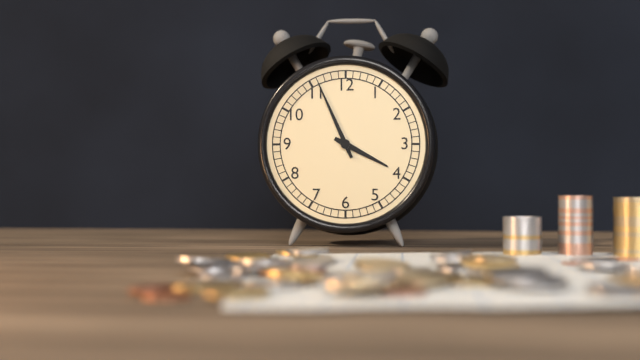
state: 3:56
